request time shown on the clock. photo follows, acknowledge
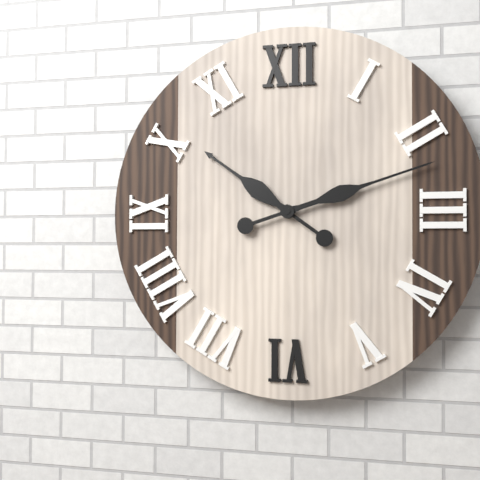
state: 10:12
